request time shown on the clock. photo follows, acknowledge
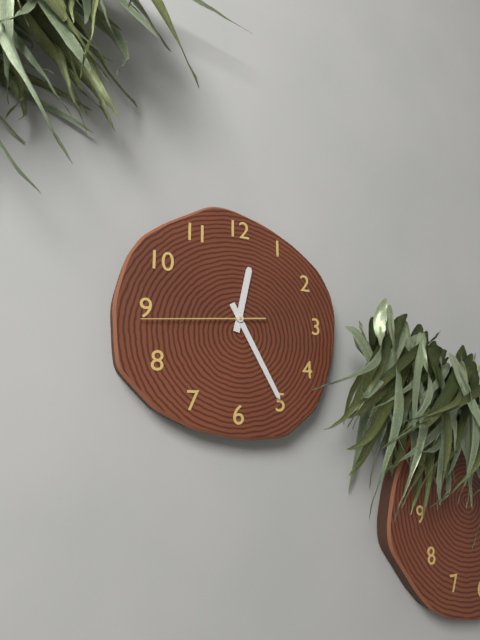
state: 12:25:44
